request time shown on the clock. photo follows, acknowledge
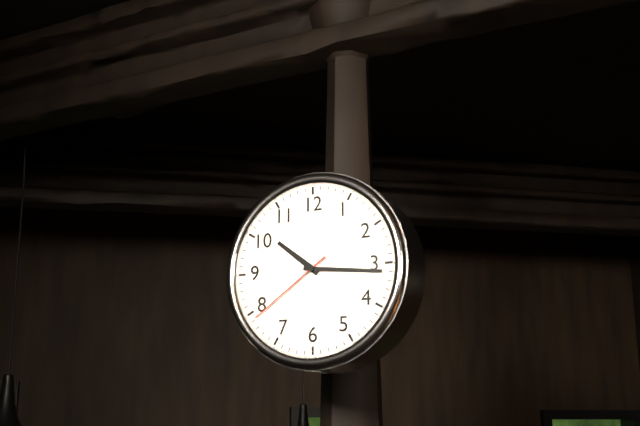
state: 10:16:39
